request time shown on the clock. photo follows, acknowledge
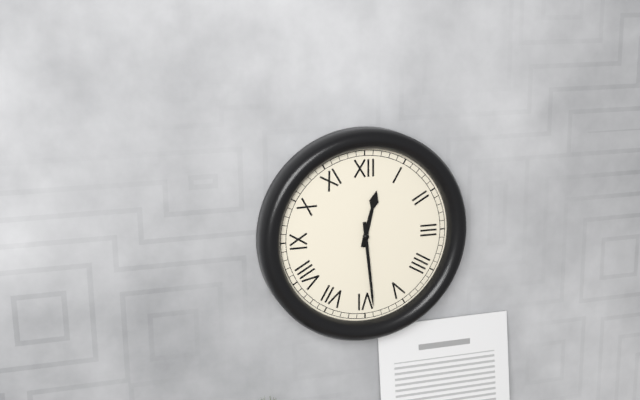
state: 12:29
